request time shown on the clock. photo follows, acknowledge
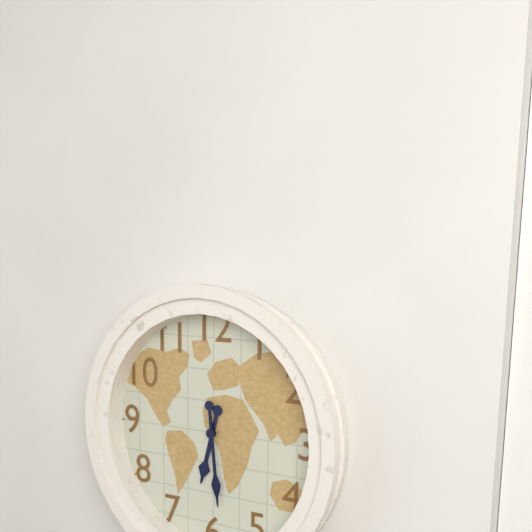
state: 6:29
